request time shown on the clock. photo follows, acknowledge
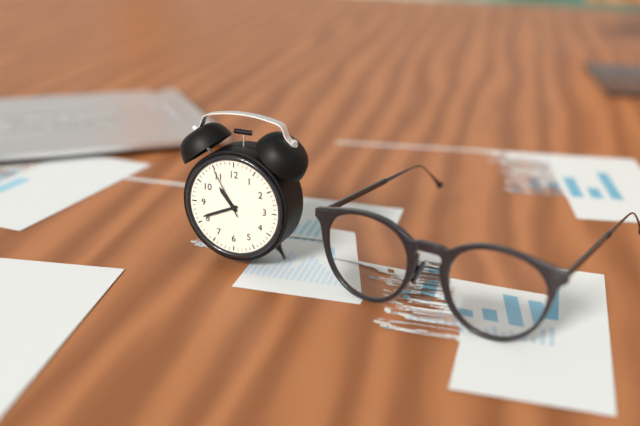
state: 10:41:55
